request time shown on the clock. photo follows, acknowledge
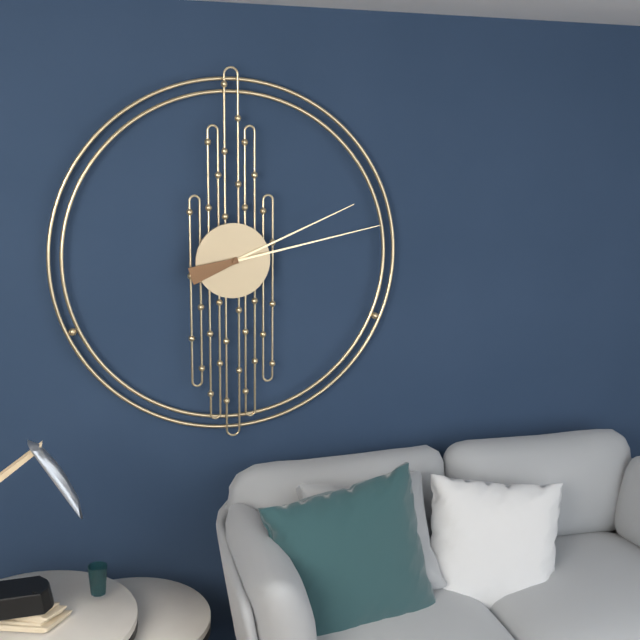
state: 2:13
